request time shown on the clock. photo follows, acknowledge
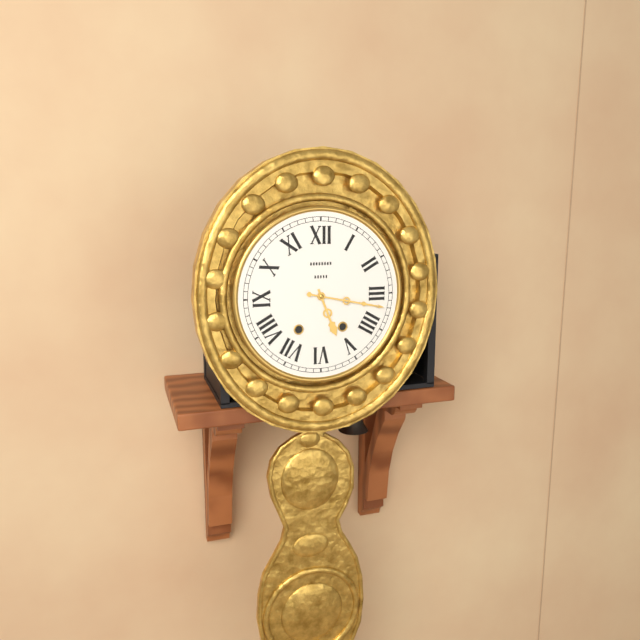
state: 5:17
